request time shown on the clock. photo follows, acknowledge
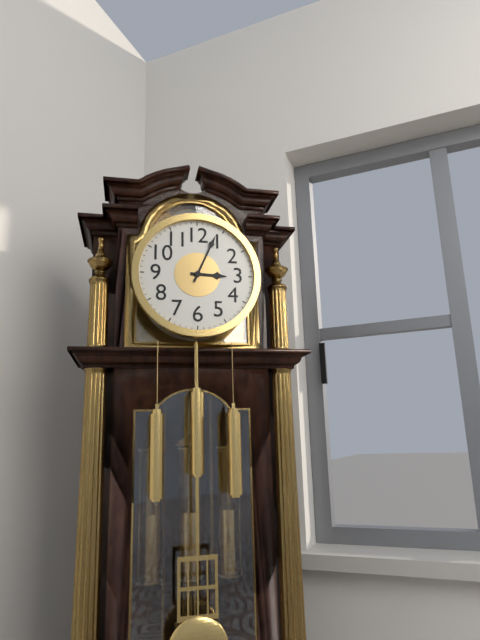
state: 3:04
